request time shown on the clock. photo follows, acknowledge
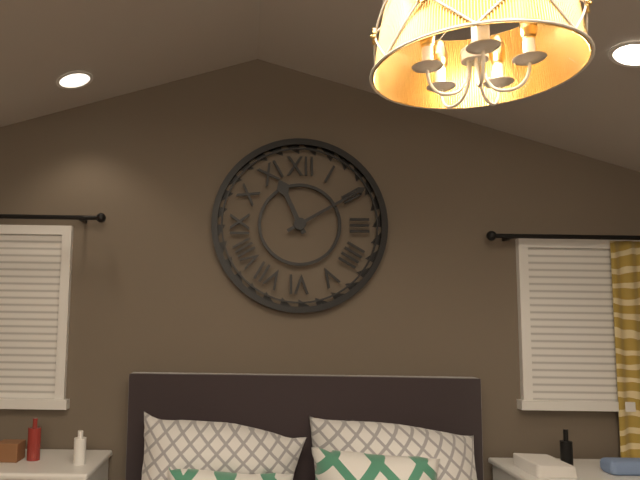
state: 11:10
